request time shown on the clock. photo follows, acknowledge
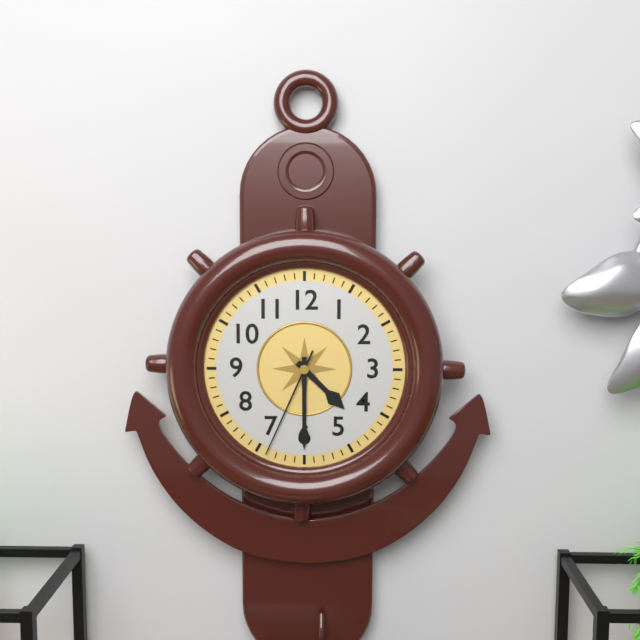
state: 4:30:34
